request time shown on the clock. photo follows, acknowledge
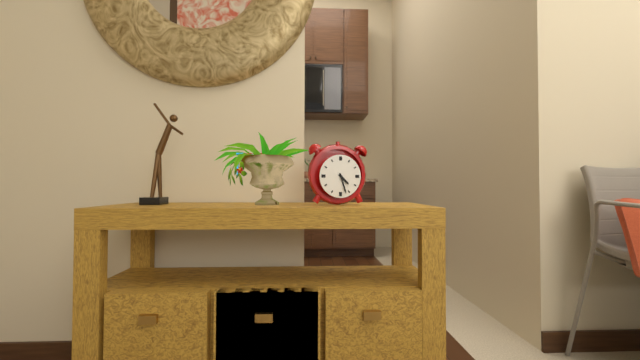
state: 4:27
